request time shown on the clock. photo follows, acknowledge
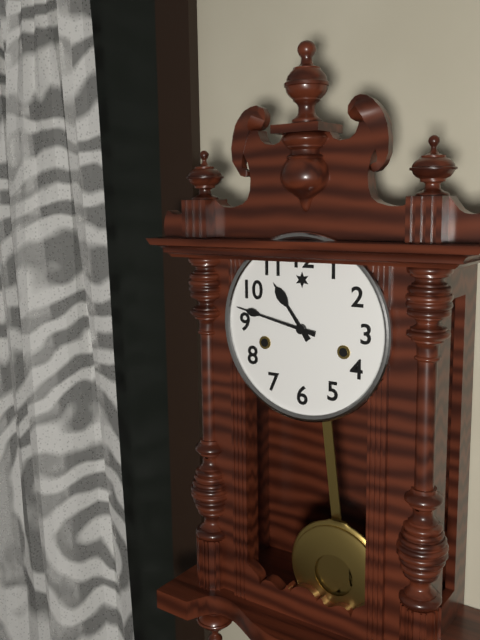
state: 10:47
